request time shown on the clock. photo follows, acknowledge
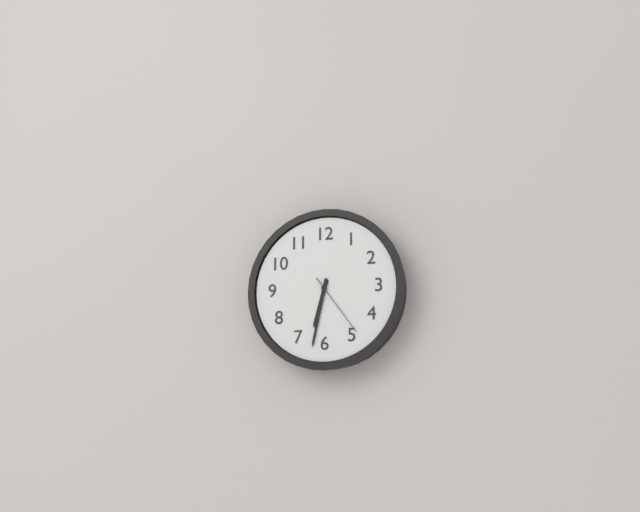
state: 6:32:24
